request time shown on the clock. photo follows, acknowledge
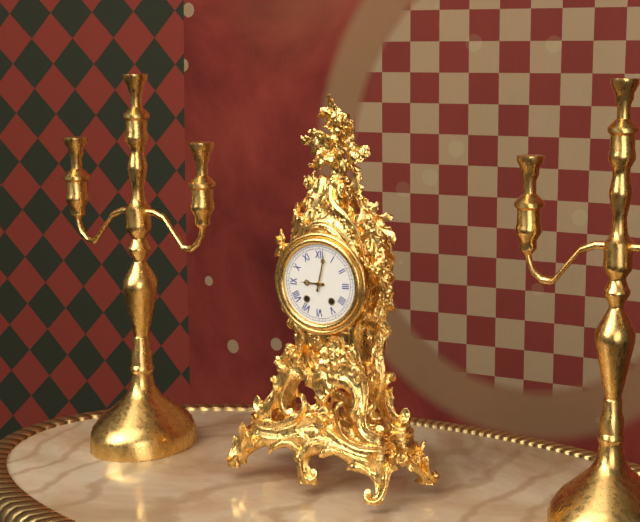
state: 9:02
